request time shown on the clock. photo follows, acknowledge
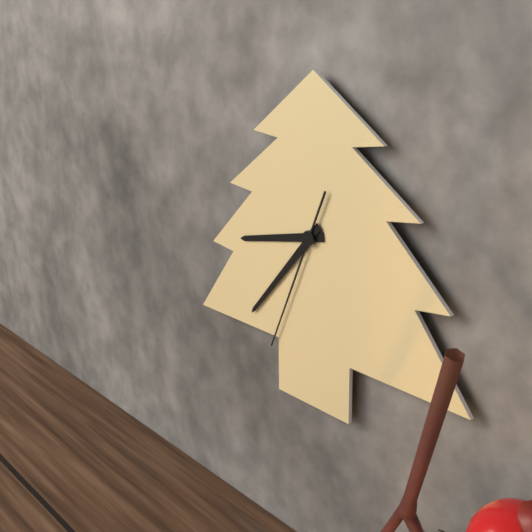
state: 8:37:34
